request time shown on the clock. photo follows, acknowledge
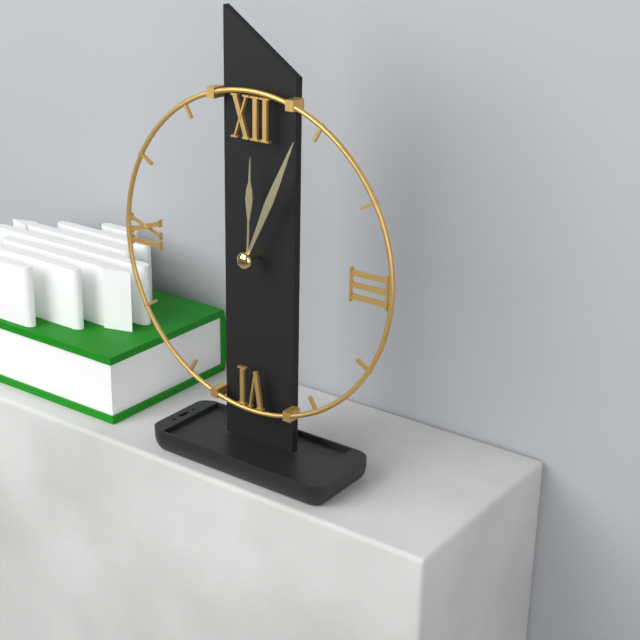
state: 12:04
